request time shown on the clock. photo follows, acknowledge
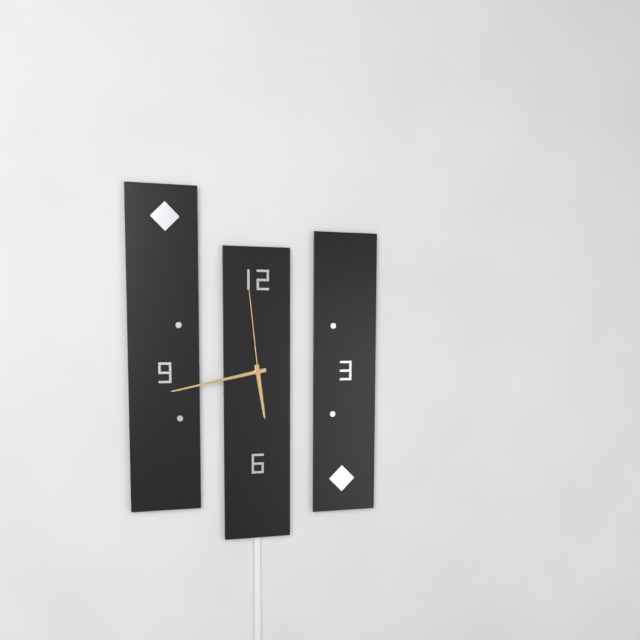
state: 5:43:59
